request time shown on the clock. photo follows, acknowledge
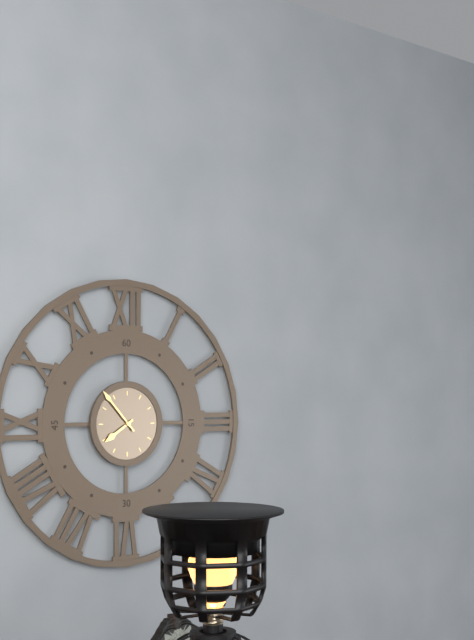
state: 7:53
